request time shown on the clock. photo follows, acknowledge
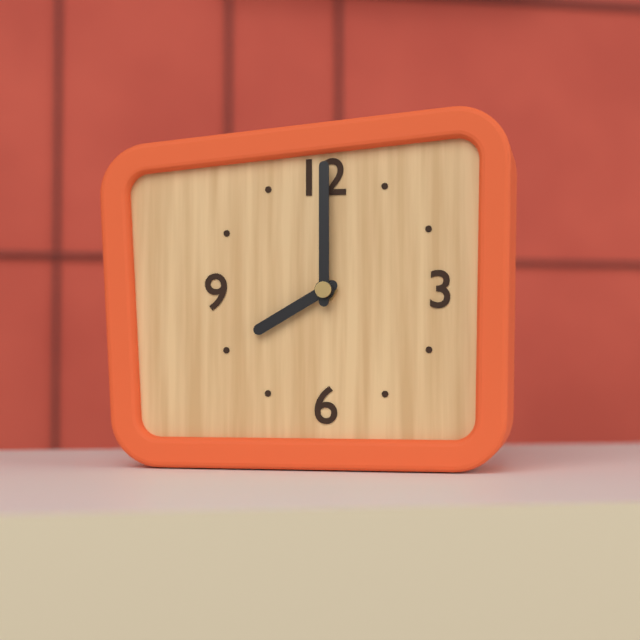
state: 8:00
